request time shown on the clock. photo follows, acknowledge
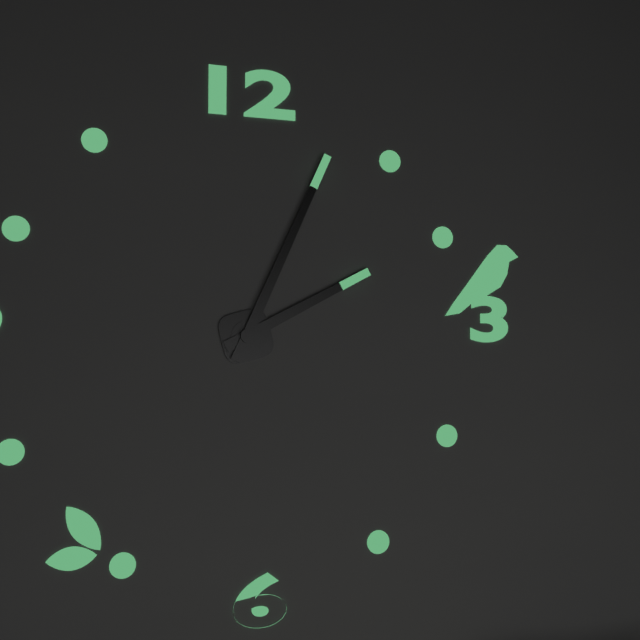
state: 2:04
